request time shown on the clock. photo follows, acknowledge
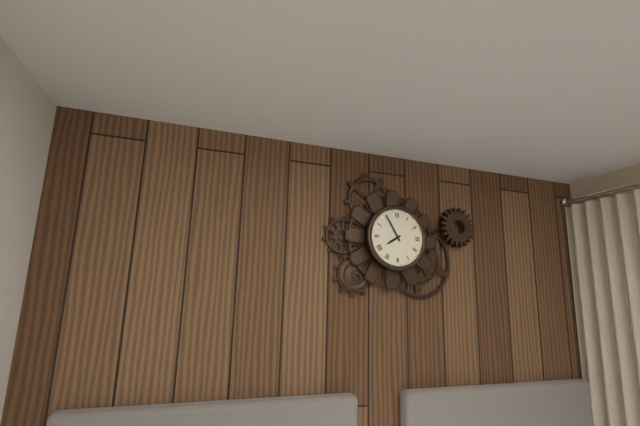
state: 7:55
